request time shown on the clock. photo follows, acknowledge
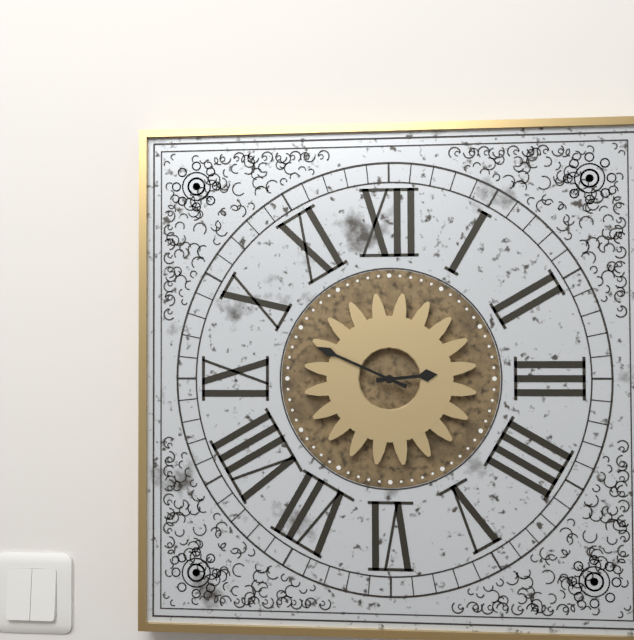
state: 2:49
